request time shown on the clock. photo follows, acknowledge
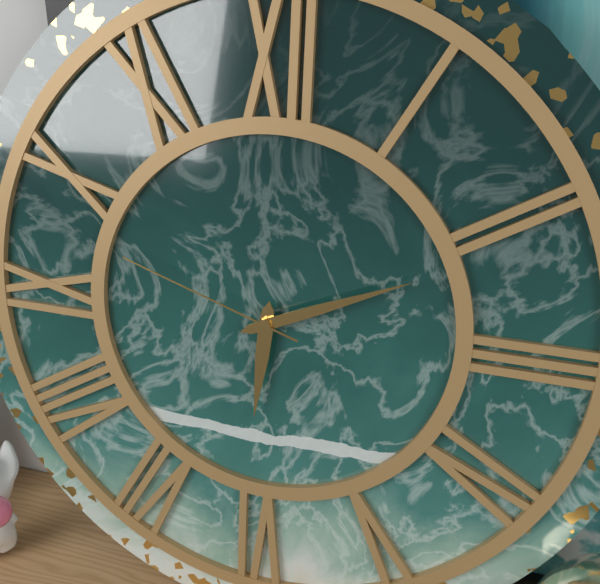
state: 6:11:48
